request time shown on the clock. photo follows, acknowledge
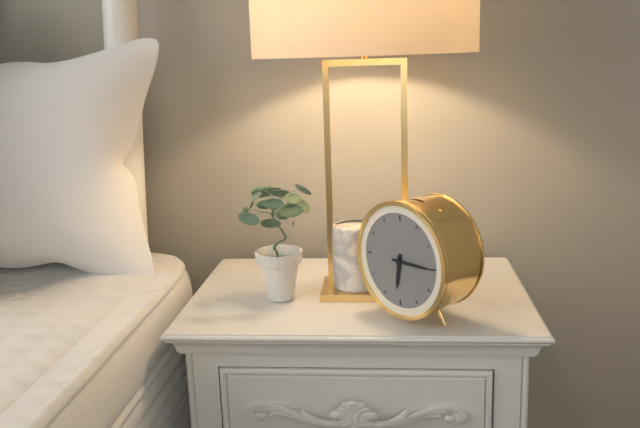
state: 6:15
